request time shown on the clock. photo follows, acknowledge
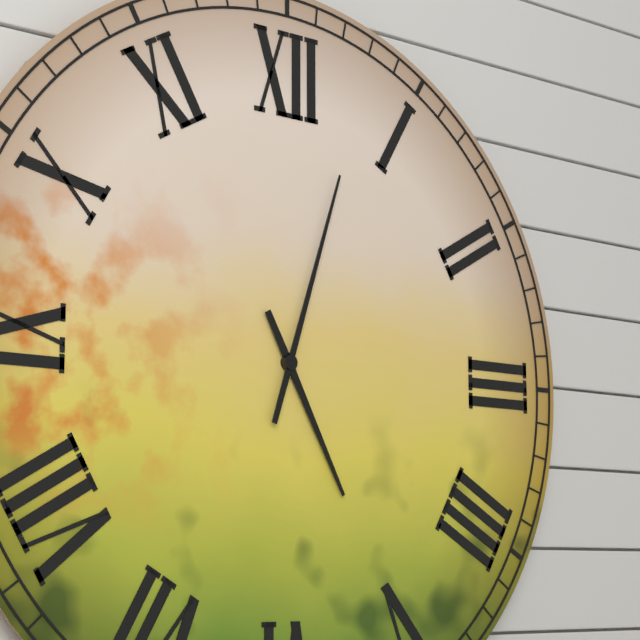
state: 5:03
